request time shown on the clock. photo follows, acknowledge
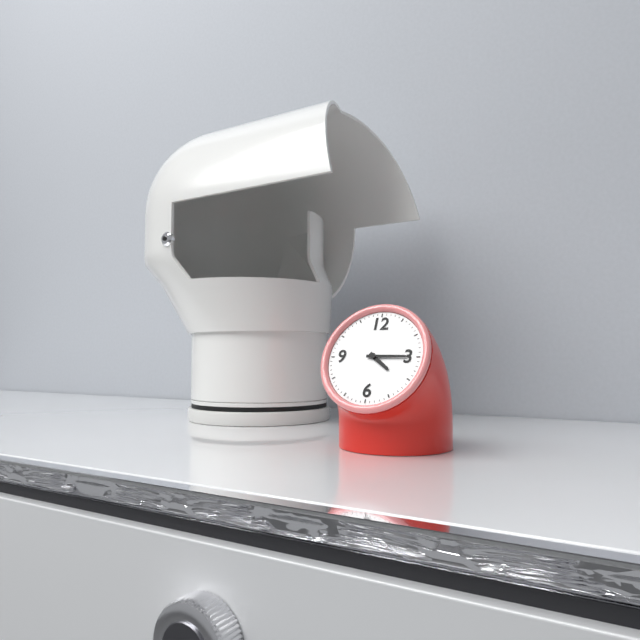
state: 4:15
